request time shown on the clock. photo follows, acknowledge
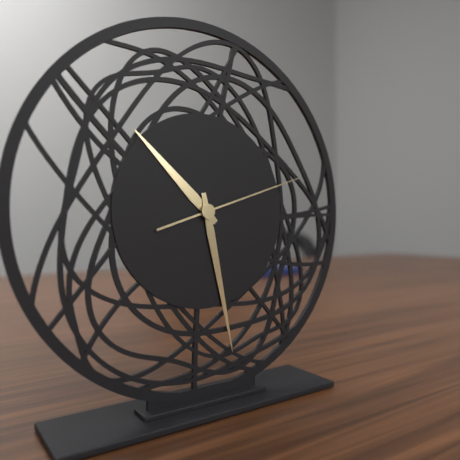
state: 10:28:12
